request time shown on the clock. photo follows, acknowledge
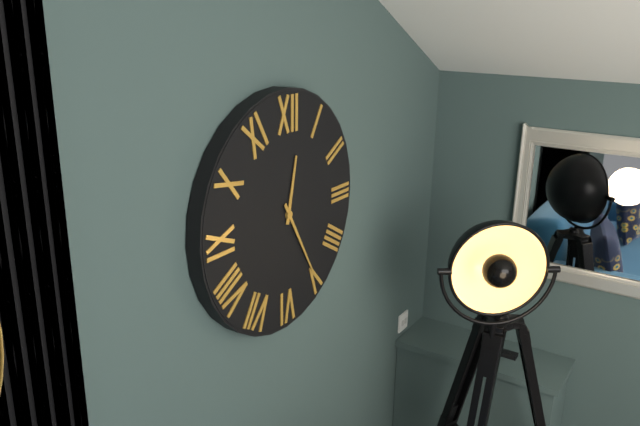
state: 12:25
